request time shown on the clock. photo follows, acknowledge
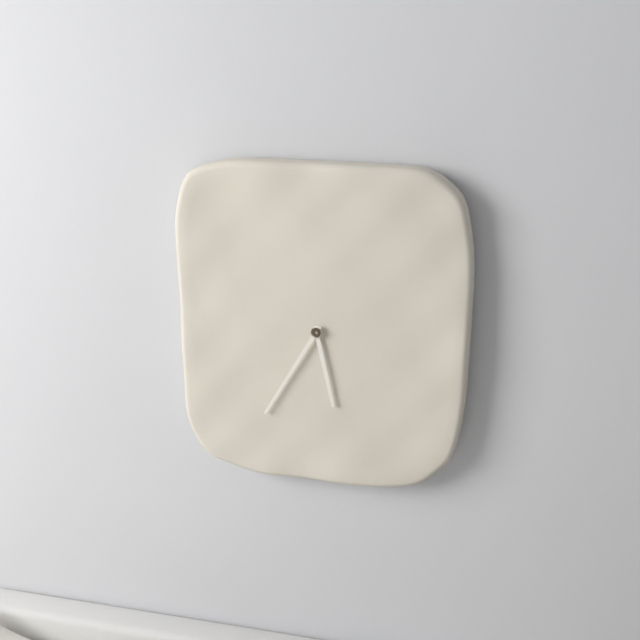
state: 5:35
